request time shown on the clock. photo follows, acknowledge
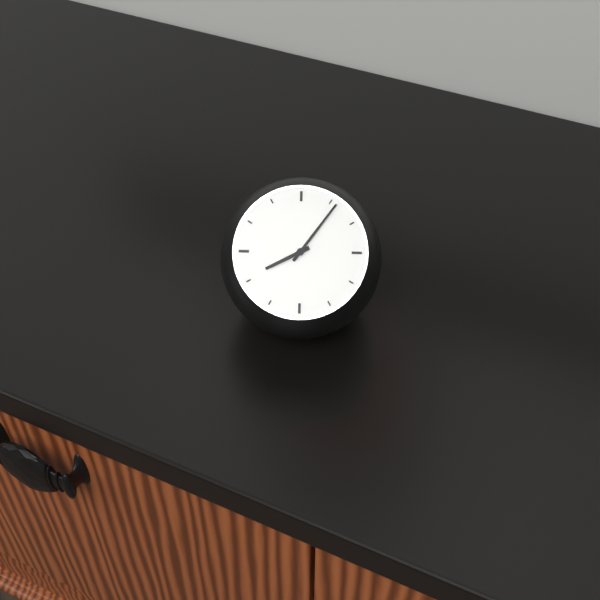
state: 8:06
